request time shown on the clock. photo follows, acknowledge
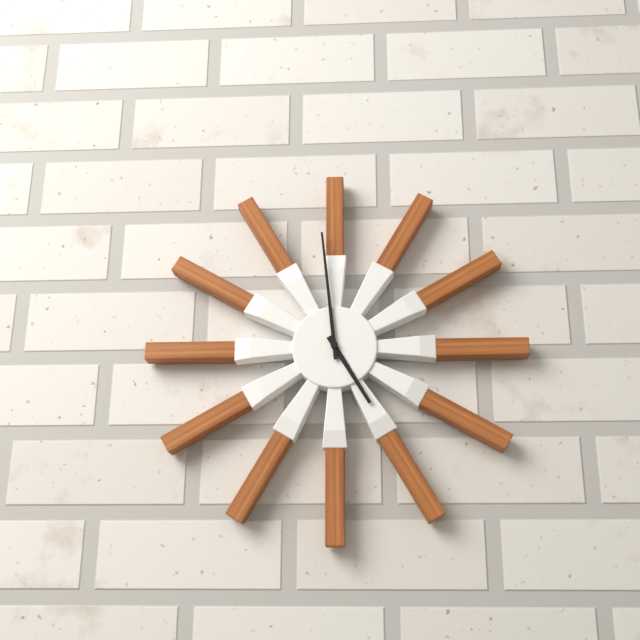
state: 4:59
